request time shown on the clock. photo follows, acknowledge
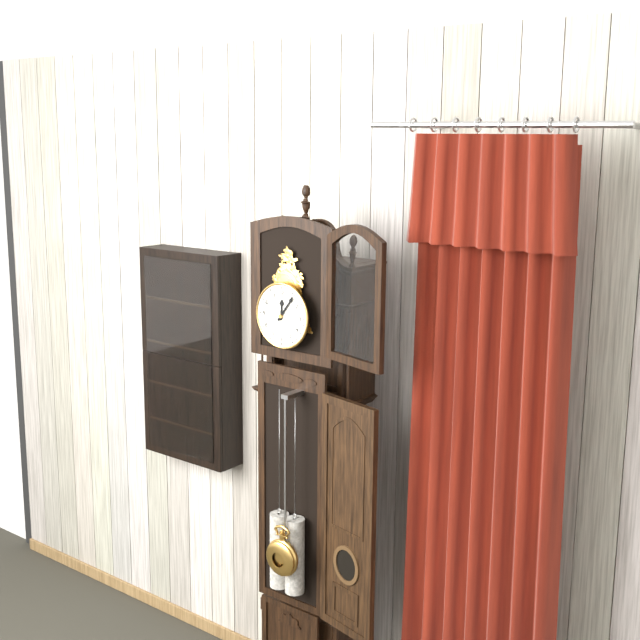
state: 12:06
